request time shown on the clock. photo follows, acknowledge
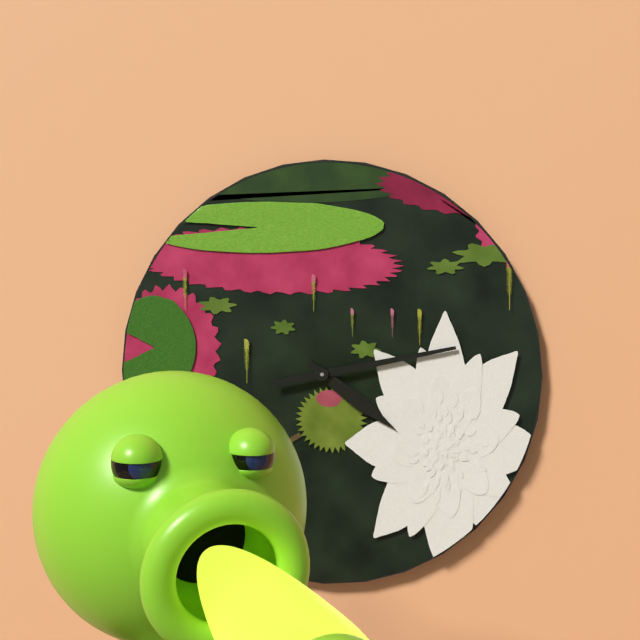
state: 4:13
